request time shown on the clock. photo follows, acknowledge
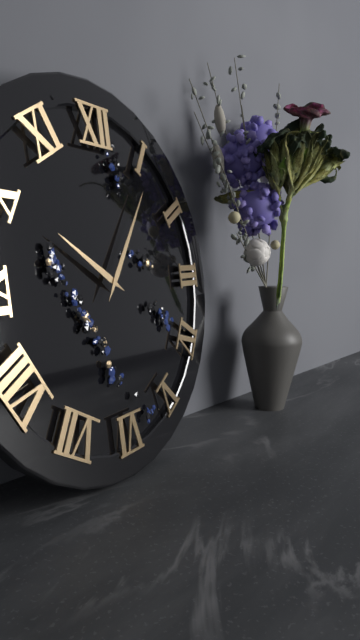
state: 10:06
